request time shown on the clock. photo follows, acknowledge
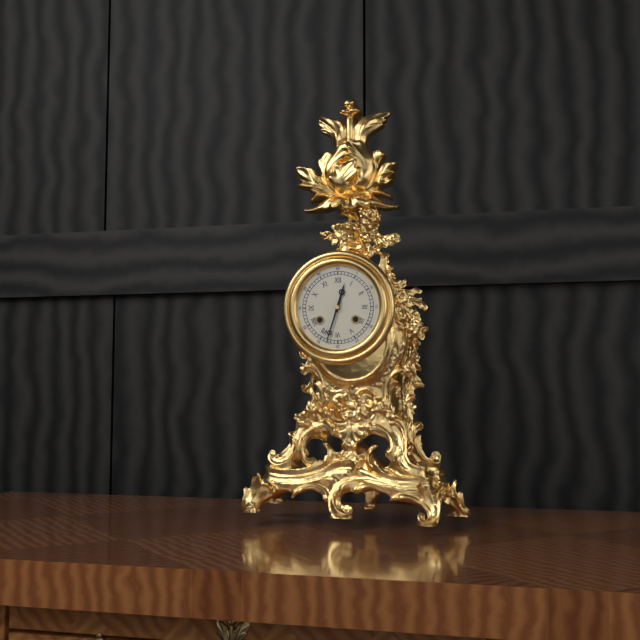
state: 12:33
